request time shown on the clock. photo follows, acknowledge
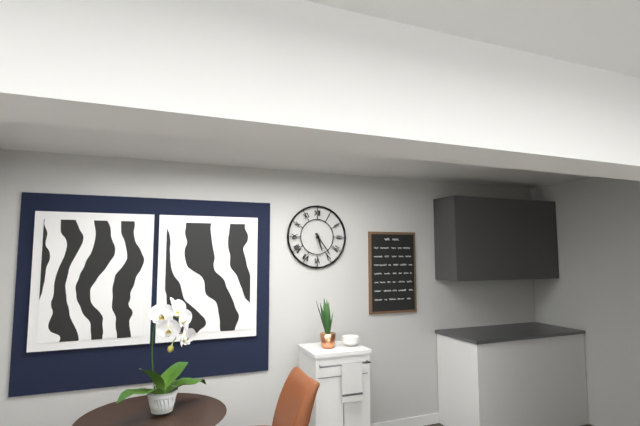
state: 5:24
